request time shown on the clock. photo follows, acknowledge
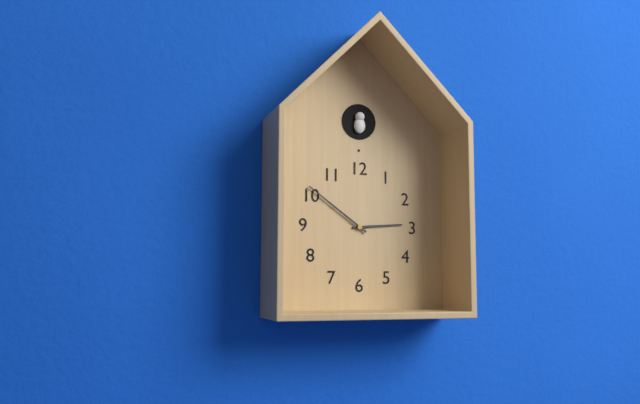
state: 2:51
